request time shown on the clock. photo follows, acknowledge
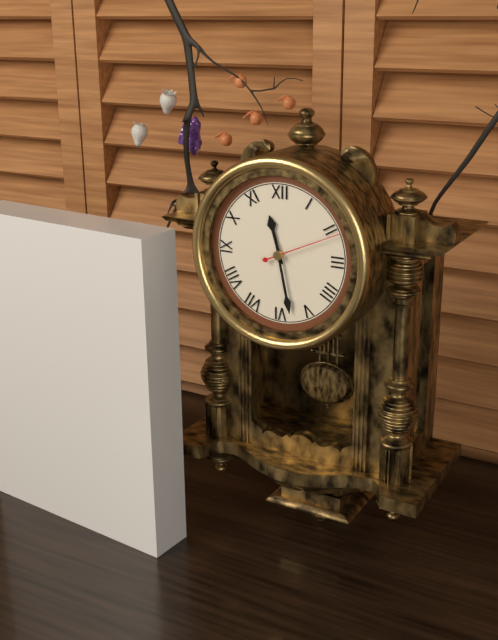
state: 11:28:11
